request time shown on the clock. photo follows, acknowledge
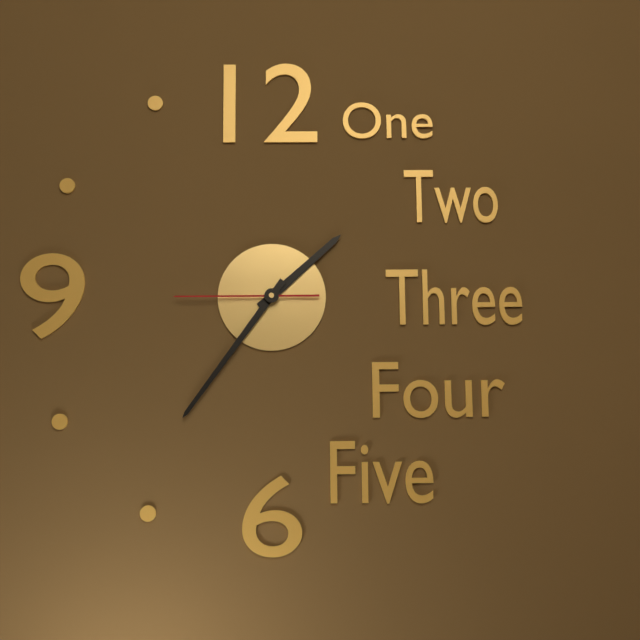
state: 1:36:45
